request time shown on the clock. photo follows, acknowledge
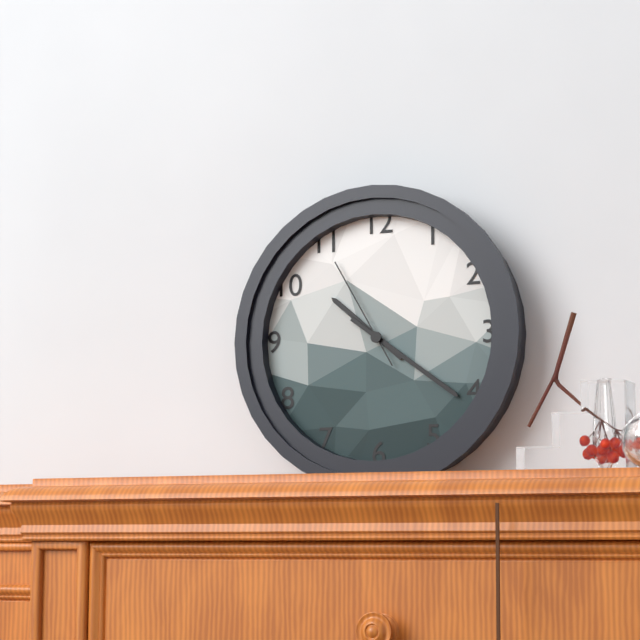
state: 10:21:55
